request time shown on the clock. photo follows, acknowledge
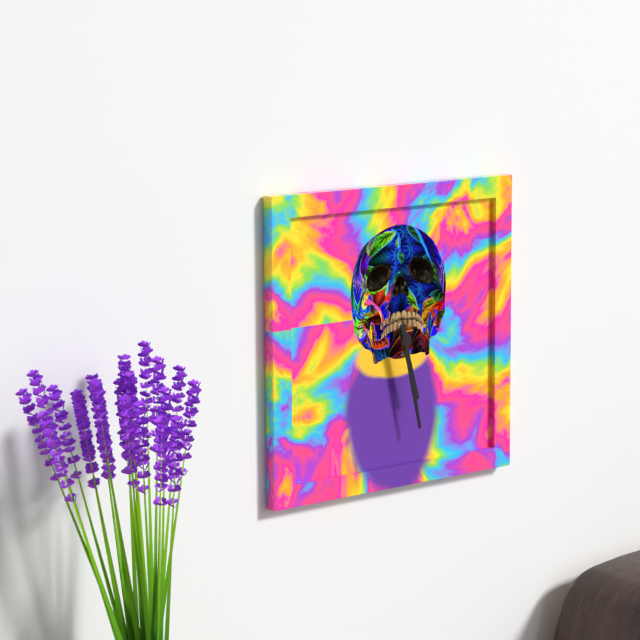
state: 5:28
